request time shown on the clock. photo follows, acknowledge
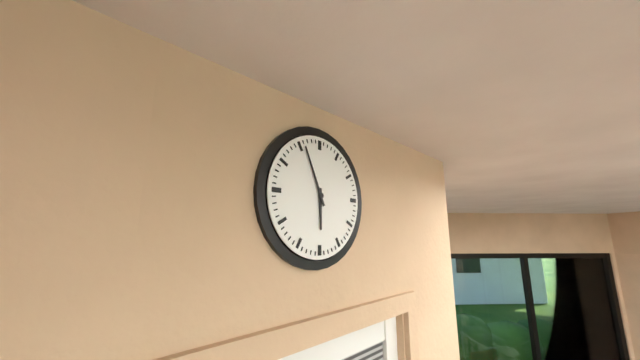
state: 5:56
